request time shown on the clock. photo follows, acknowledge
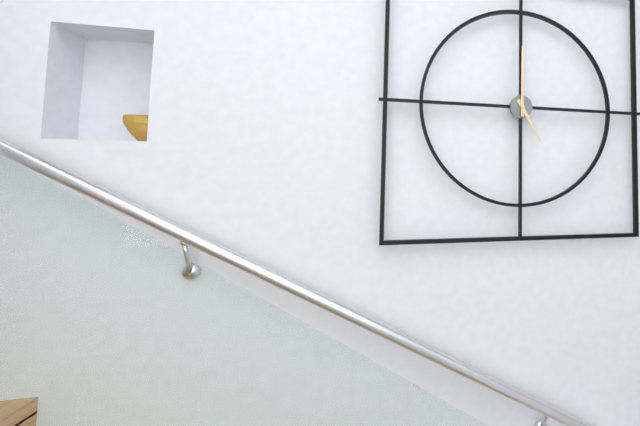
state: 5:00
